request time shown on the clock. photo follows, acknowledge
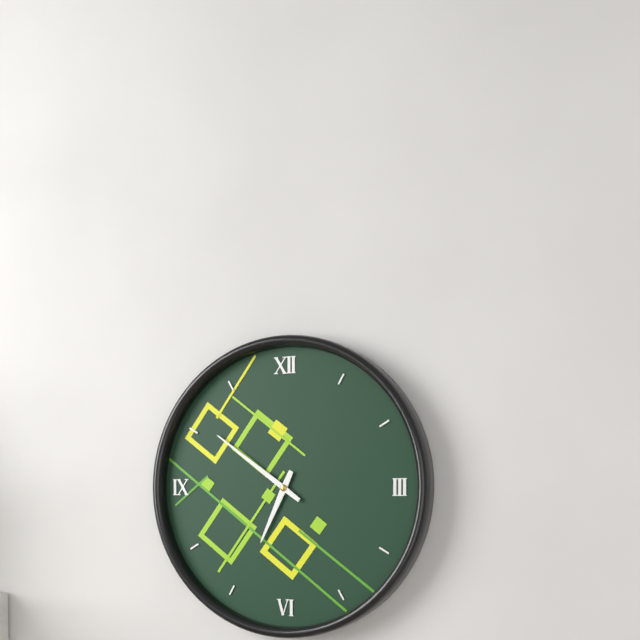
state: 6:51
